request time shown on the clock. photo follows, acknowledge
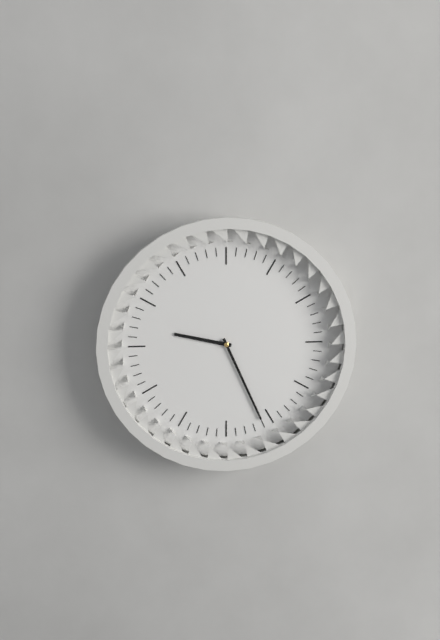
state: 9:26
